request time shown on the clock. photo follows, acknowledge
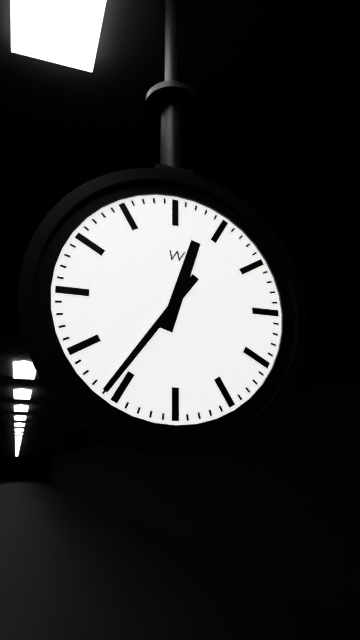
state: 12:36
